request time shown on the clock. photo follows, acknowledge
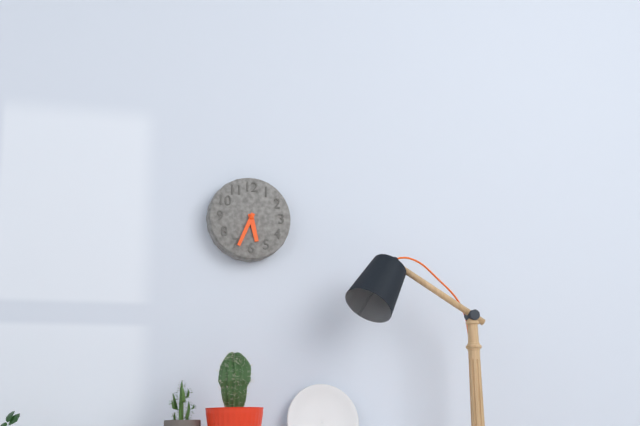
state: 5:34
